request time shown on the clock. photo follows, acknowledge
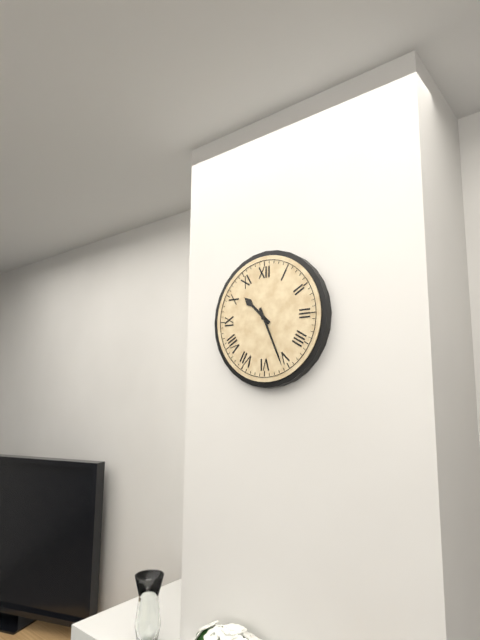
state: 10:26
